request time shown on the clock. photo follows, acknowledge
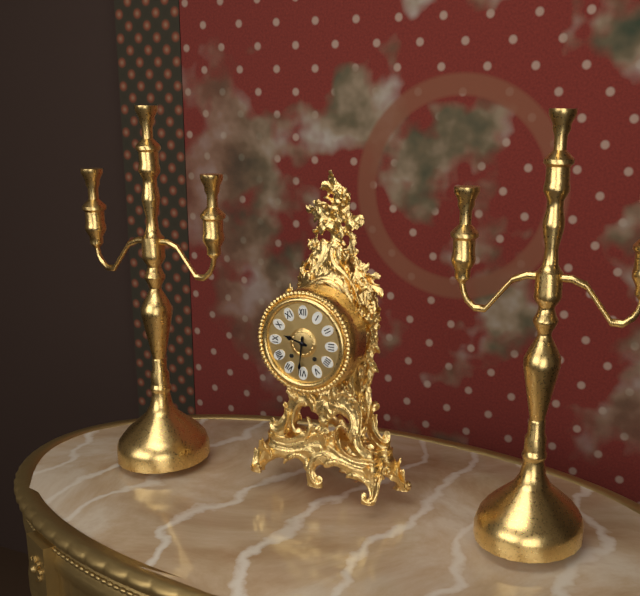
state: 9:31
